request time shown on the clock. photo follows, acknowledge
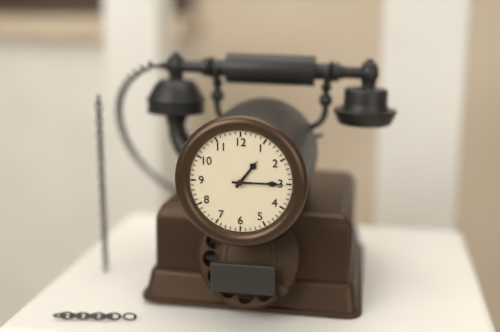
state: 1:15
